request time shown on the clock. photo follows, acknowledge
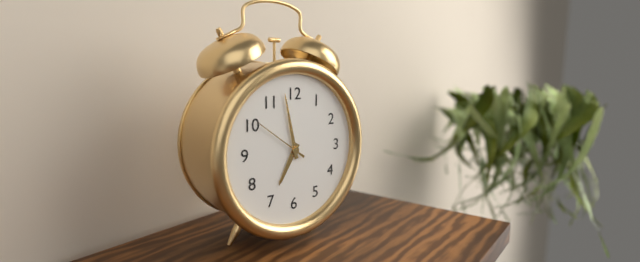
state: 6:58:51
